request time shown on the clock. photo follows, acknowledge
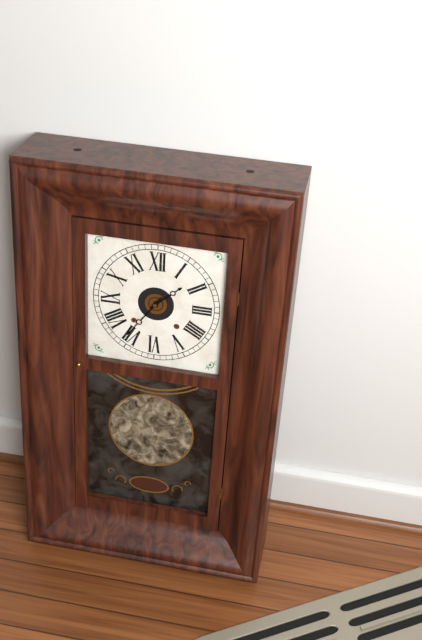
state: 1:36
